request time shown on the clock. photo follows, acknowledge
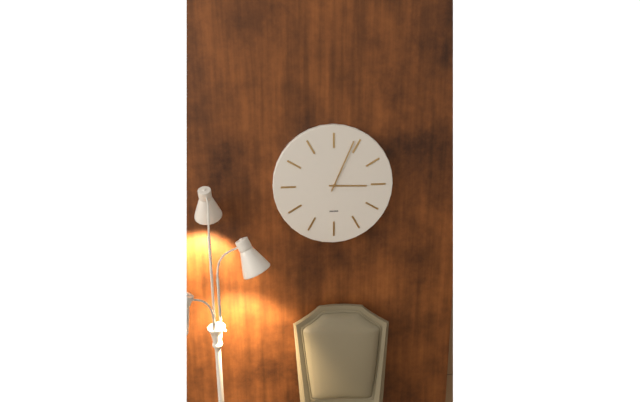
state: 3:04
